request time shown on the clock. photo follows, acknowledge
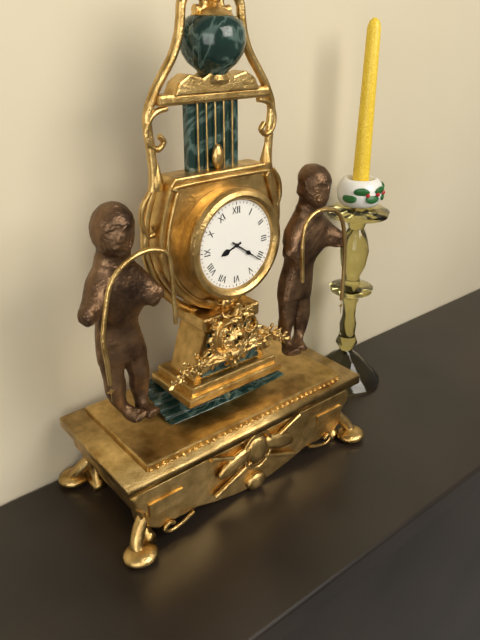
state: 8:21
